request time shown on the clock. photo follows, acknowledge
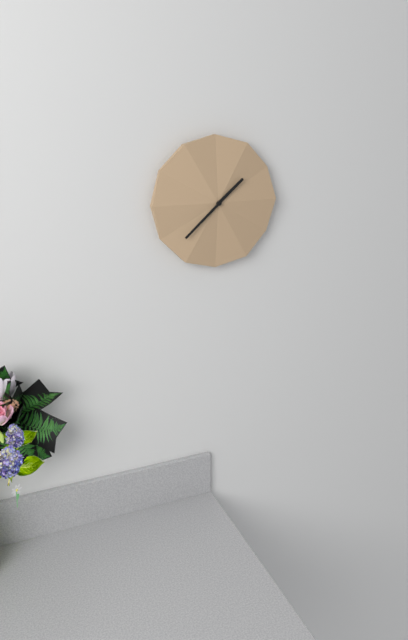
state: 1:38
